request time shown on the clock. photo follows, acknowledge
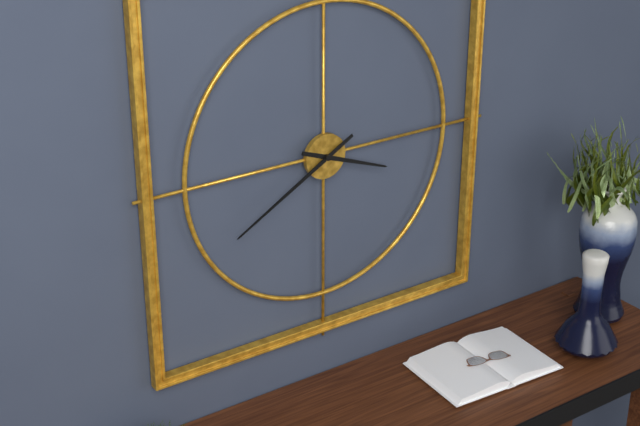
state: 3:40
